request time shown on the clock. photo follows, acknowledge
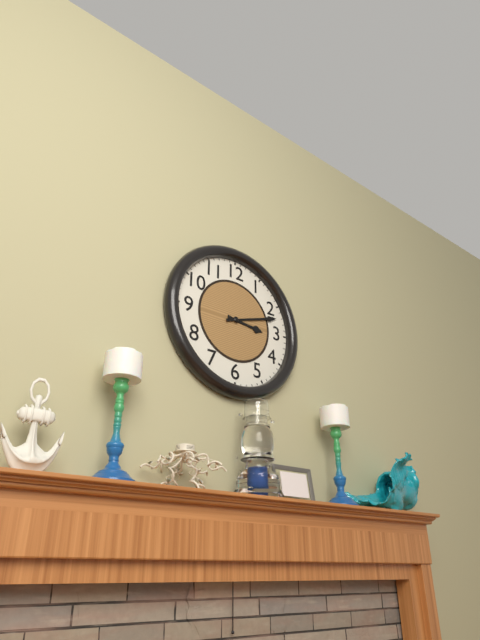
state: 3:12
